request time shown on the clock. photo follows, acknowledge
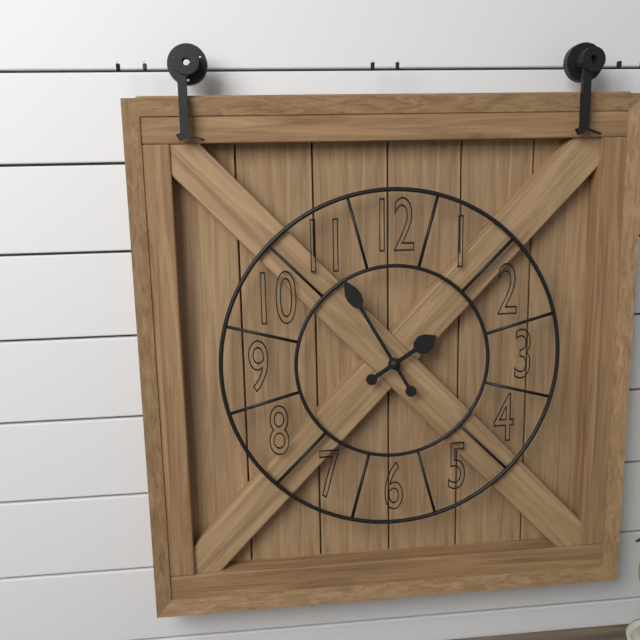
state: 1:55
